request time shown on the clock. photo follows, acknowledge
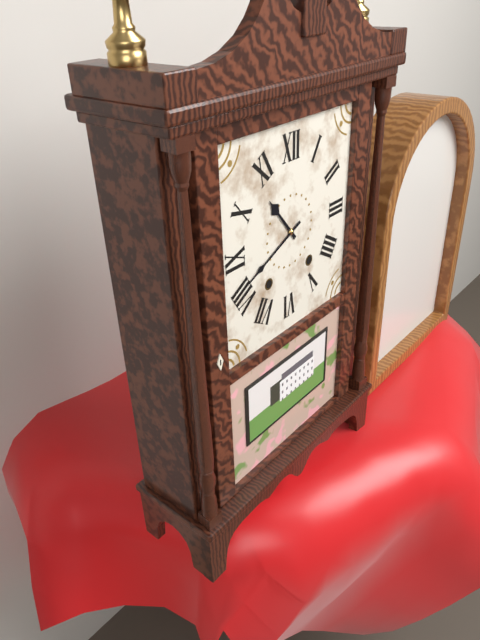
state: 10:41
